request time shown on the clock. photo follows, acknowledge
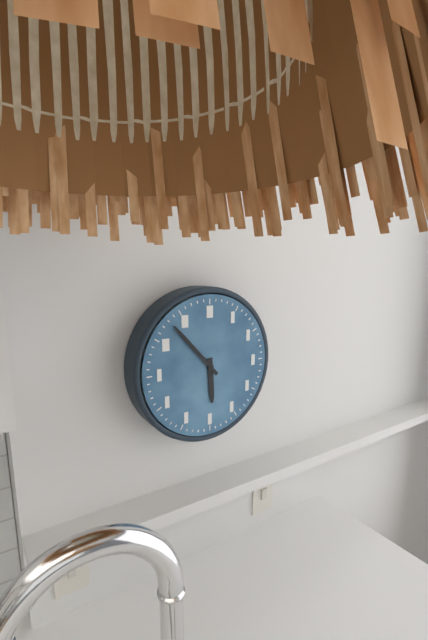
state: 5:53
